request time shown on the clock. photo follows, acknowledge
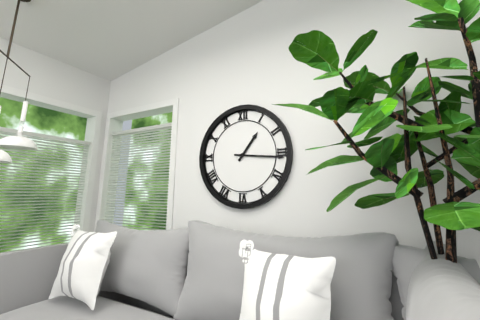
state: 1:16
